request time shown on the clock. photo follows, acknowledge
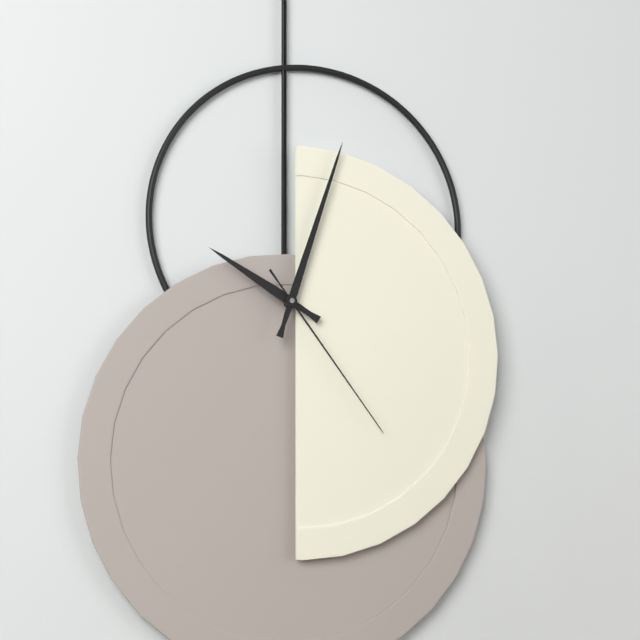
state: 10:03:24
